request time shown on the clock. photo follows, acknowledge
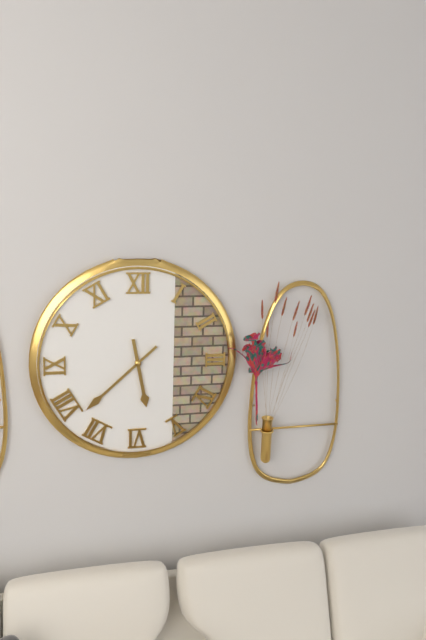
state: 5:38
